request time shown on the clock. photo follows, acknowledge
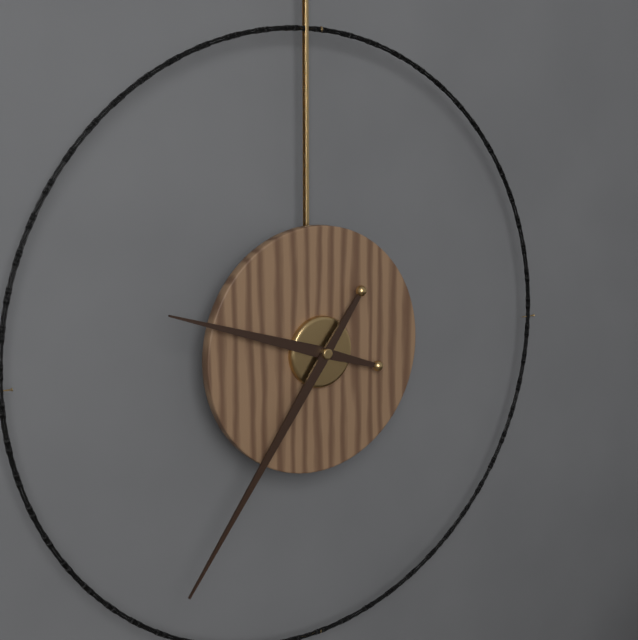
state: 9:36
